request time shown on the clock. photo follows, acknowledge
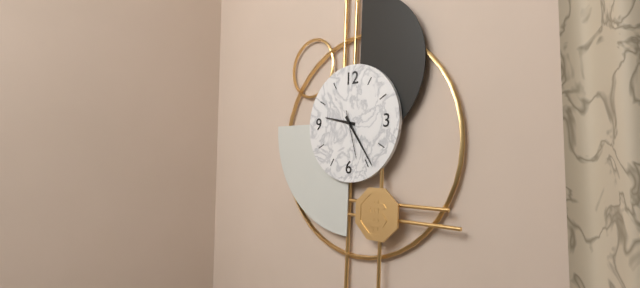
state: 9:24
